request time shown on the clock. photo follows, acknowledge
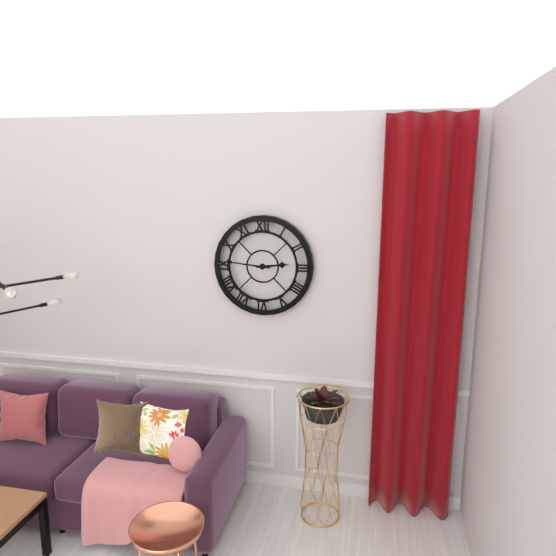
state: 2:46
